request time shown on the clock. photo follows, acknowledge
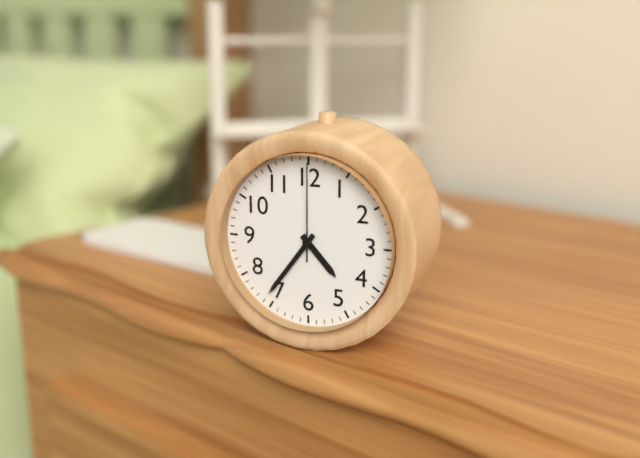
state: 4:36:00
